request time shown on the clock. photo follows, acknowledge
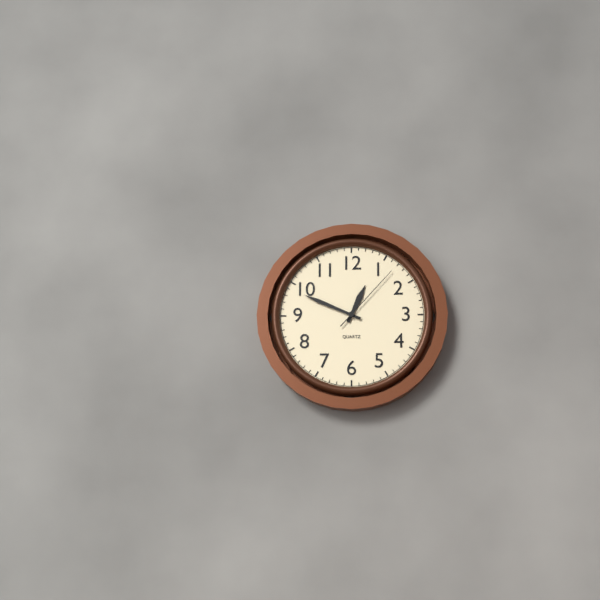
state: 12:49:07
